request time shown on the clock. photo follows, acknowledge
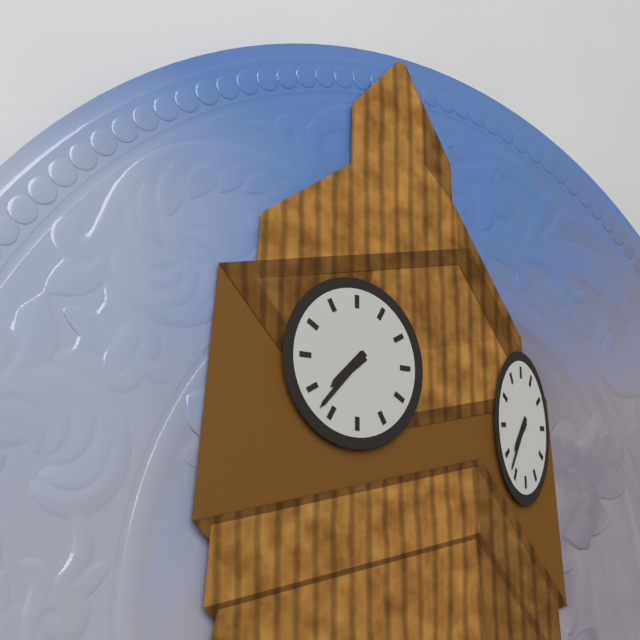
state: 7:37
